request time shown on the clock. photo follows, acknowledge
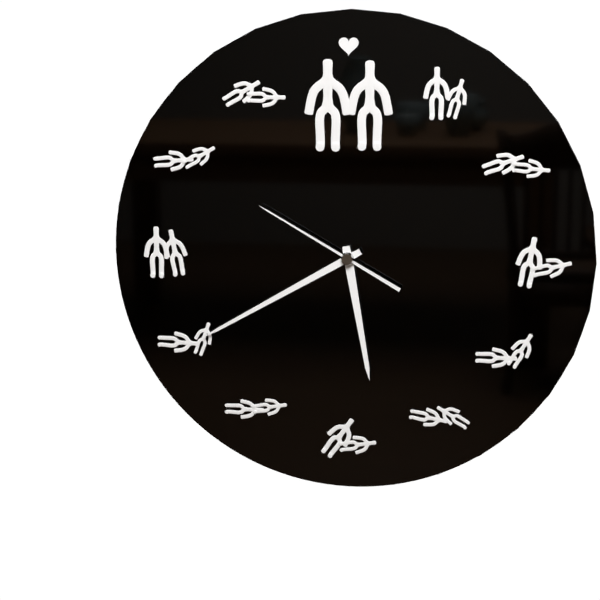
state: 5:40:50
